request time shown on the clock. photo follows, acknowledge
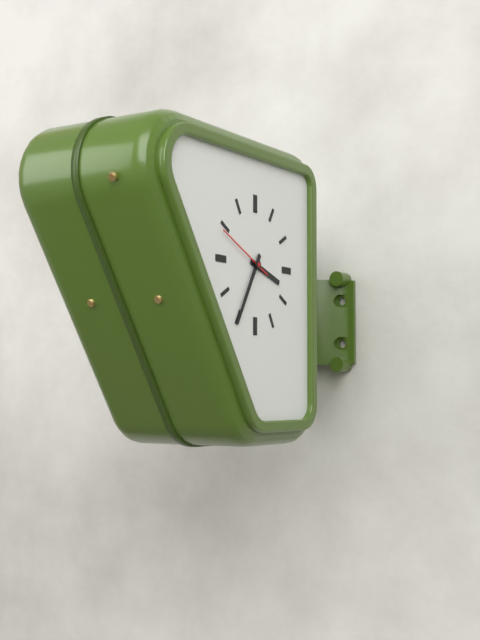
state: 3:35:49
